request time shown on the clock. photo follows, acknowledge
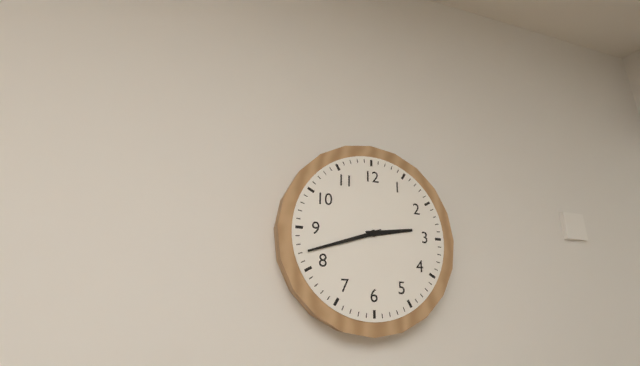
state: 2:42
